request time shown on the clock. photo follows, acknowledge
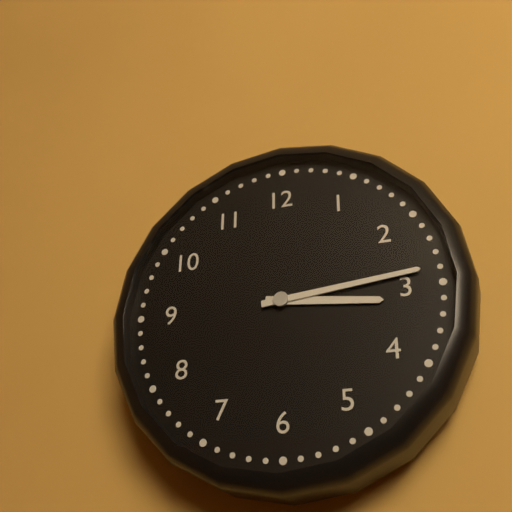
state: 3:14
